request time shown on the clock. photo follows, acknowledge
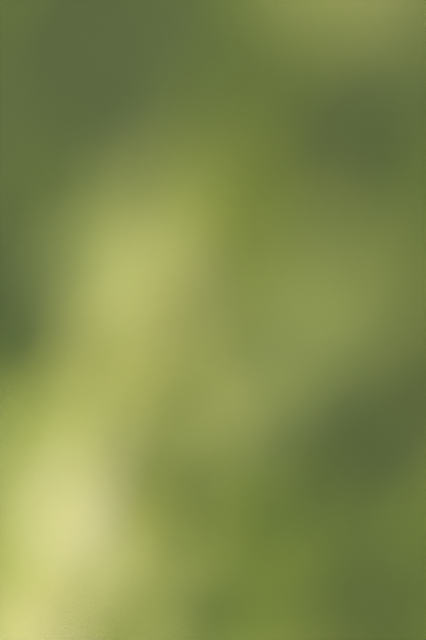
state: 5:03
